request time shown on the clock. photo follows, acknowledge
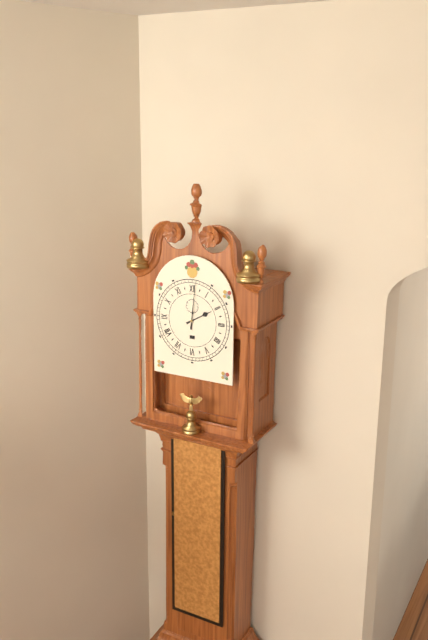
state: 2:01
